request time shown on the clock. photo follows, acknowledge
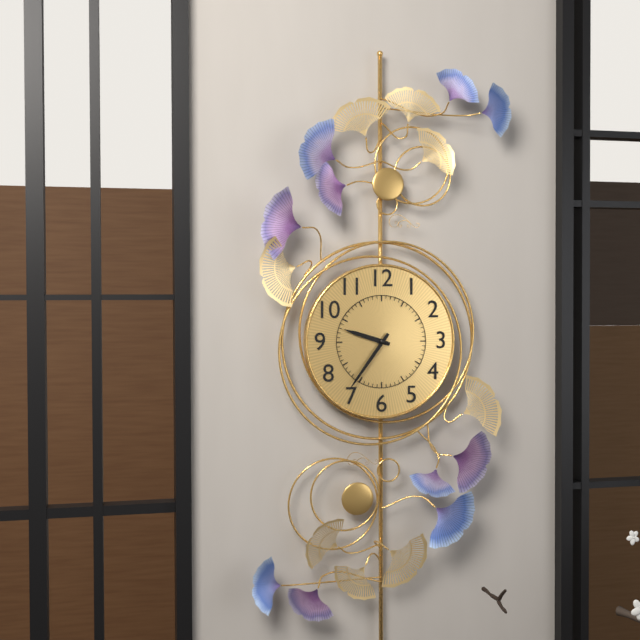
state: 9:36
